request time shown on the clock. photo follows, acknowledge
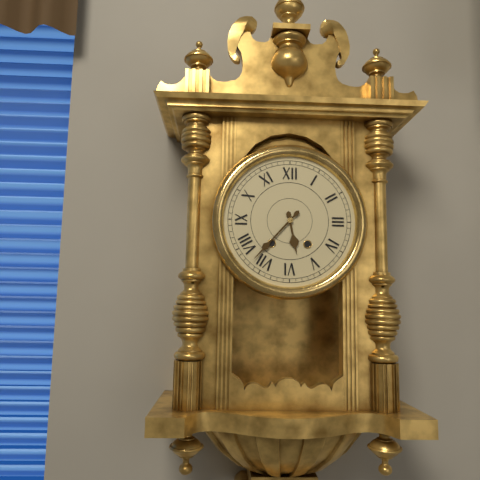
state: 5:37
